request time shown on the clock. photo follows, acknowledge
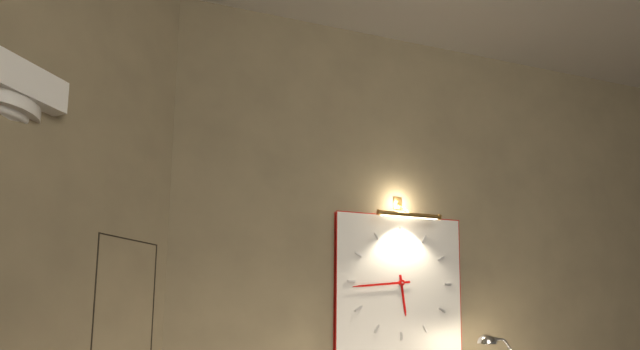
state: 5:44
